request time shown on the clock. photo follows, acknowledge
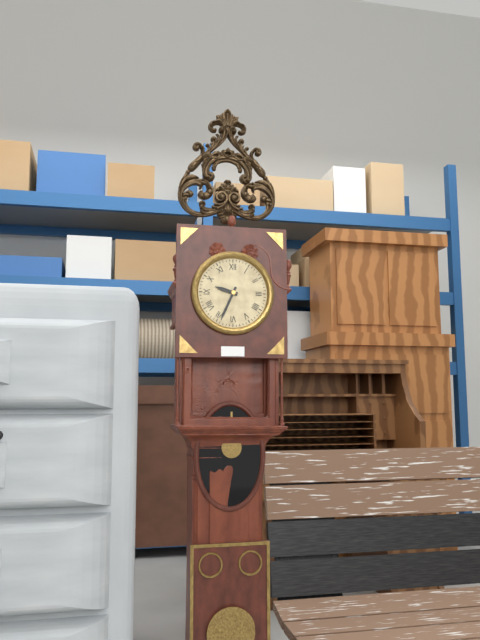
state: 9:34
